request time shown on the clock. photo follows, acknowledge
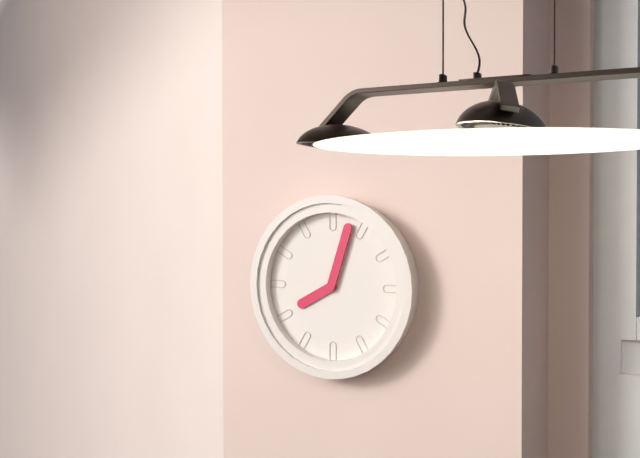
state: 8:03
